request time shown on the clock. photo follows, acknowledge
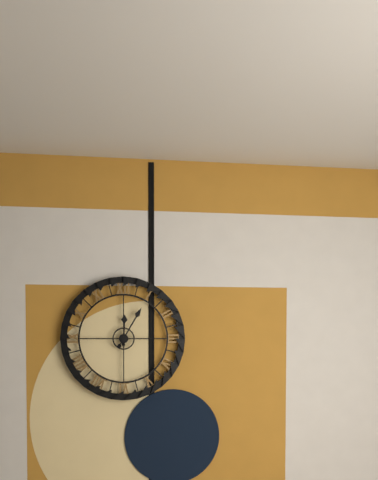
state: 12:05
